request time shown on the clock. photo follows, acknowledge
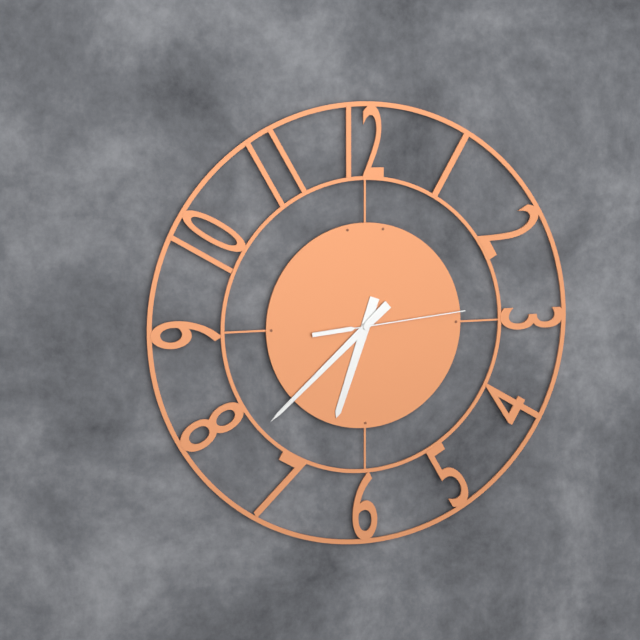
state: 6:38:14
